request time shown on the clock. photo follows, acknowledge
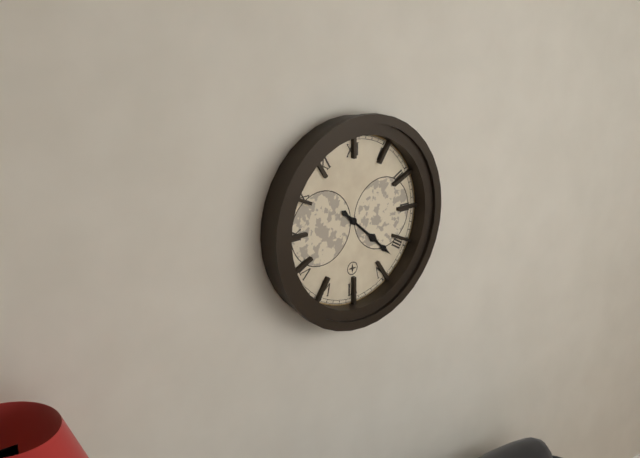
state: 4:22
